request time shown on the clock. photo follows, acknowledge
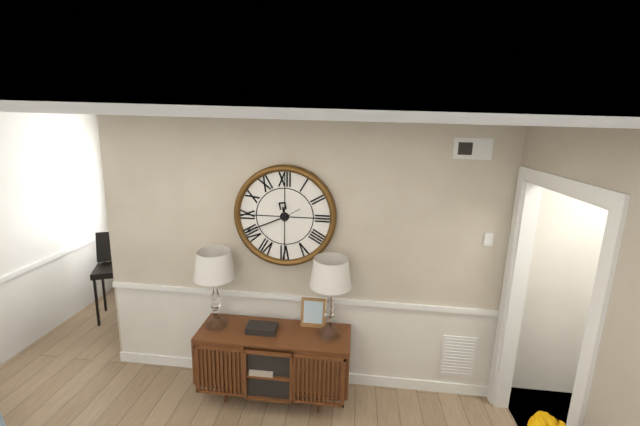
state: 11:41
